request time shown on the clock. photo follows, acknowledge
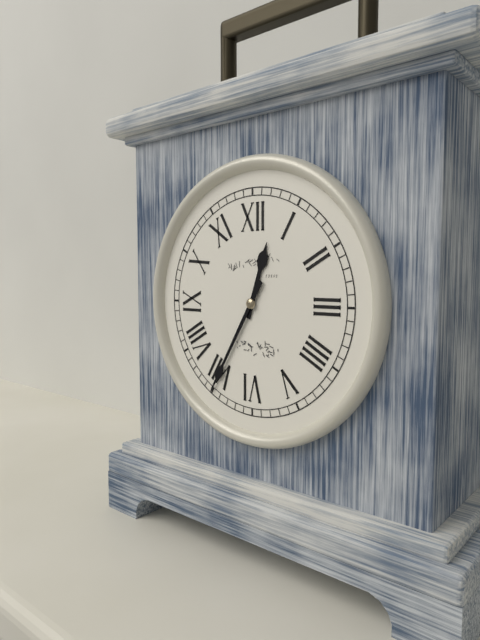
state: 12:35
